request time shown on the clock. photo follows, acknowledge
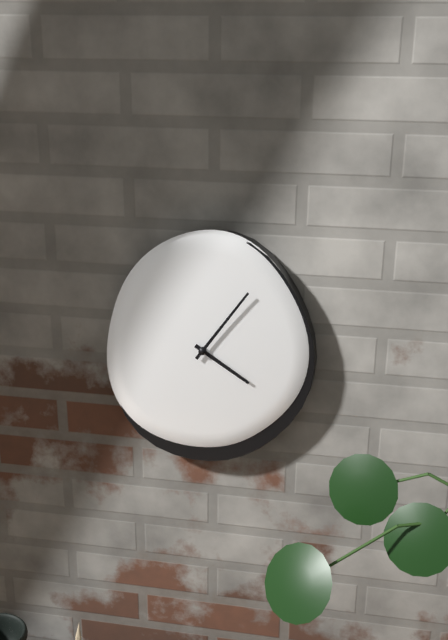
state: 4:06
